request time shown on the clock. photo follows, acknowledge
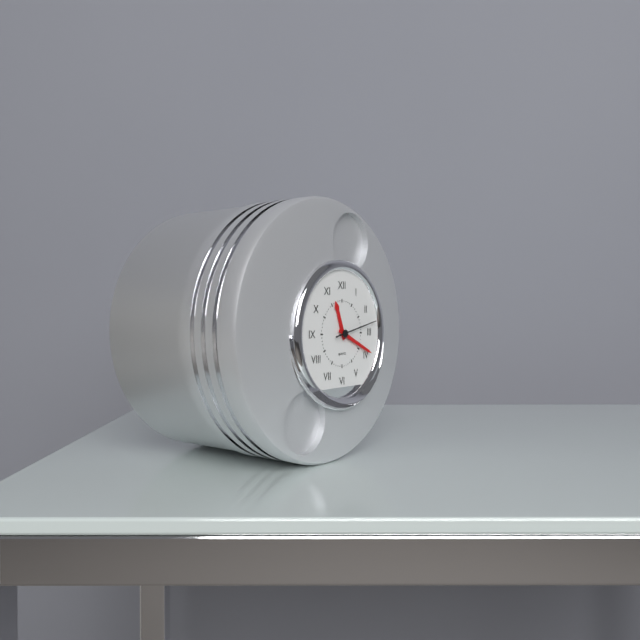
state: 11:19
